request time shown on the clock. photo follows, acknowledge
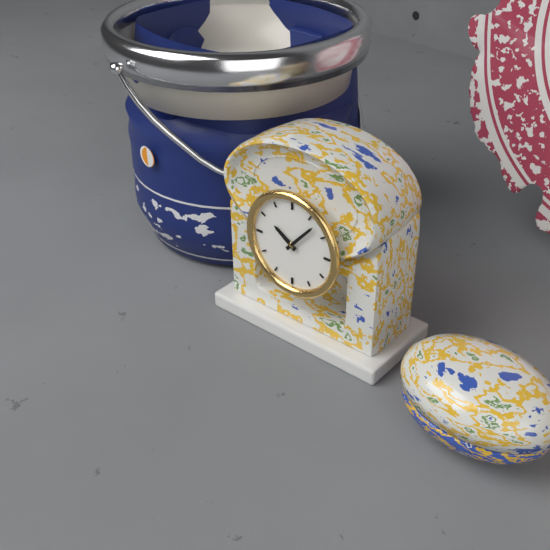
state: 10:07
